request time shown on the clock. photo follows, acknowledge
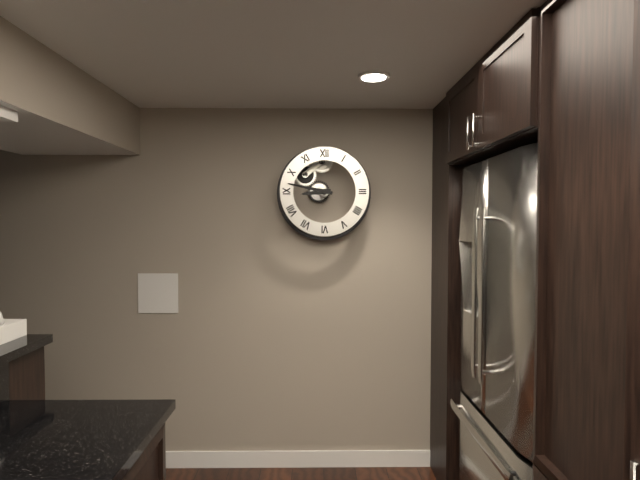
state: 8:47
